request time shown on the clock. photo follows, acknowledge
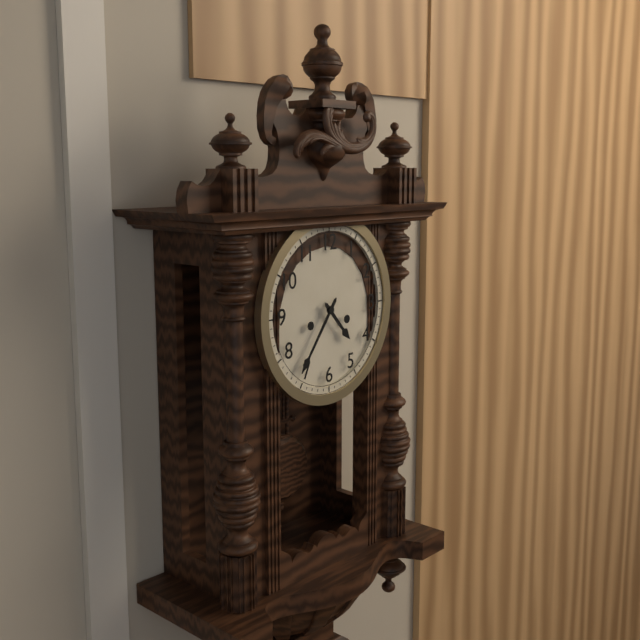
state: 4:36
